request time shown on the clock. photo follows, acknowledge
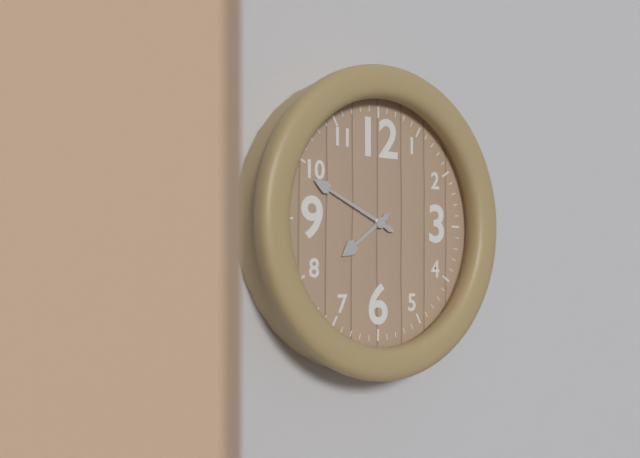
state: 7:49
